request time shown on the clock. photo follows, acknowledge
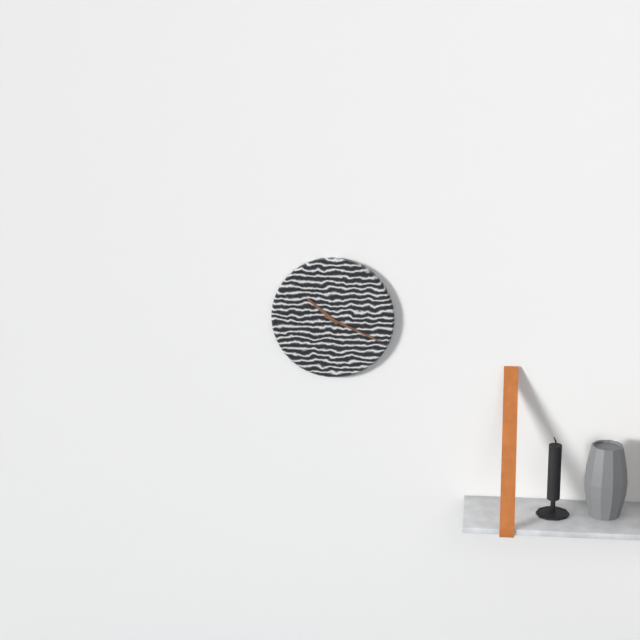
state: 10:19
